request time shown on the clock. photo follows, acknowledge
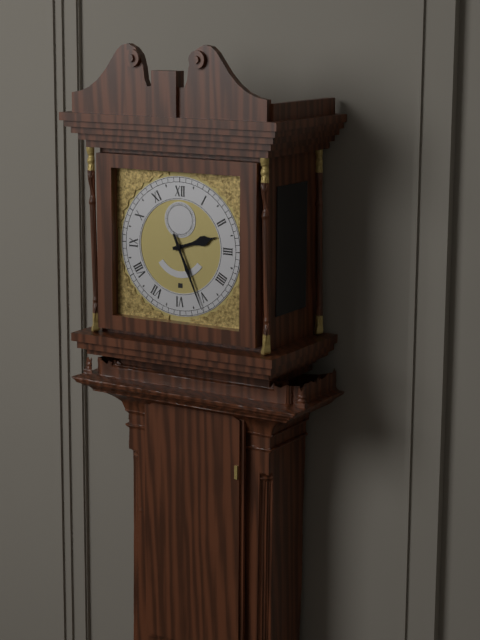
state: 2:26
